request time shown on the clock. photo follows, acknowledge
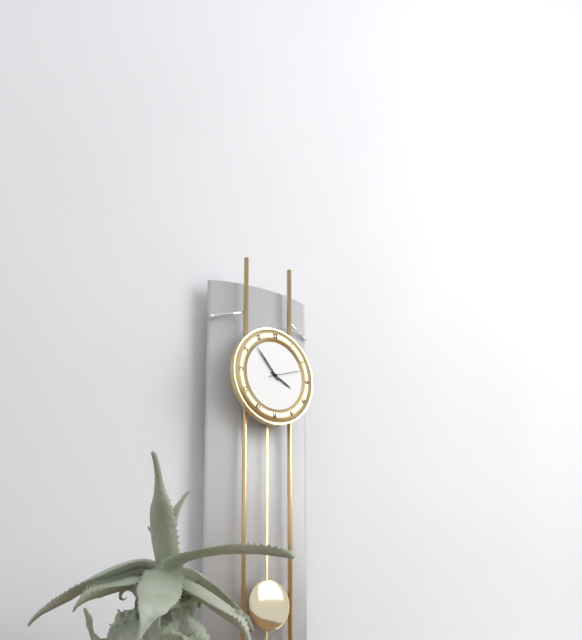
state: 3:53
